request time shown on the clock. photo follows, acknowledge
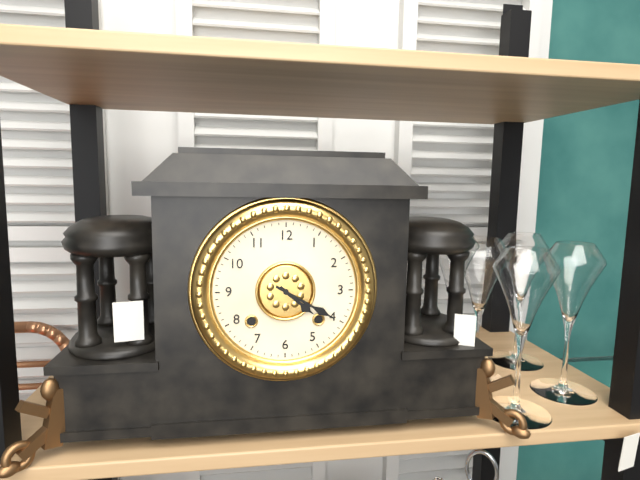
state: 4:20
